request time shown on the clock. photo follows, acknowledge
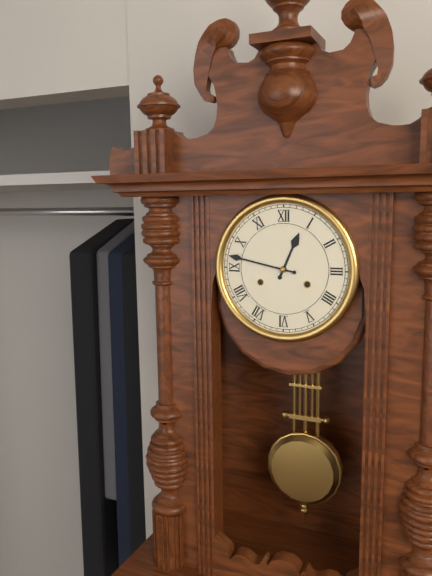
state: 12:47
